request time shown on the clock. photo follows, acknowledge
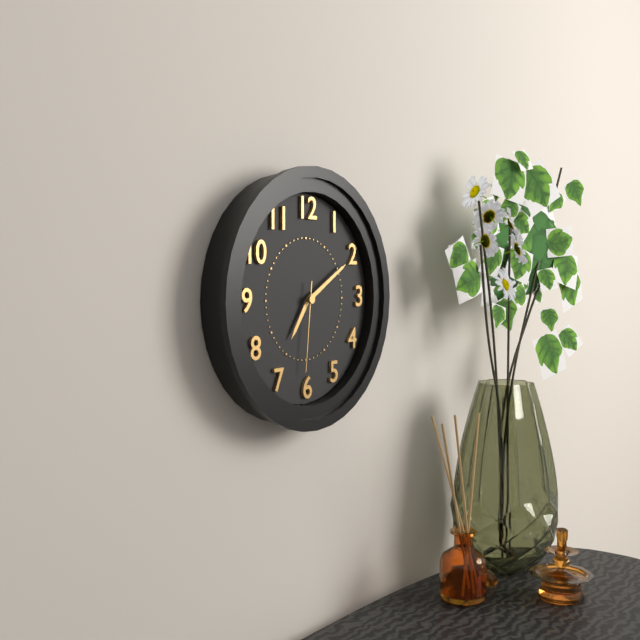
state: 7:10:31
